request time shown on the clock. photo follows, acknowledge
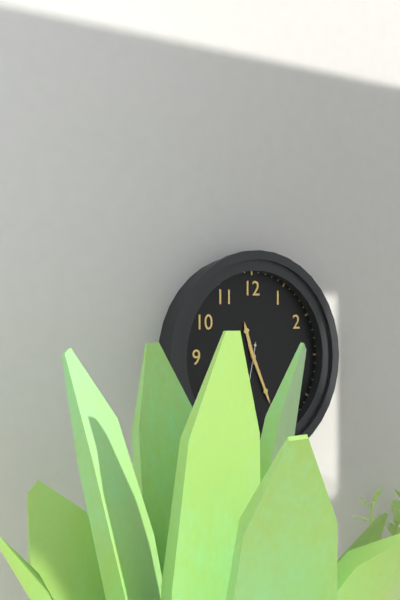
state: 11:26
